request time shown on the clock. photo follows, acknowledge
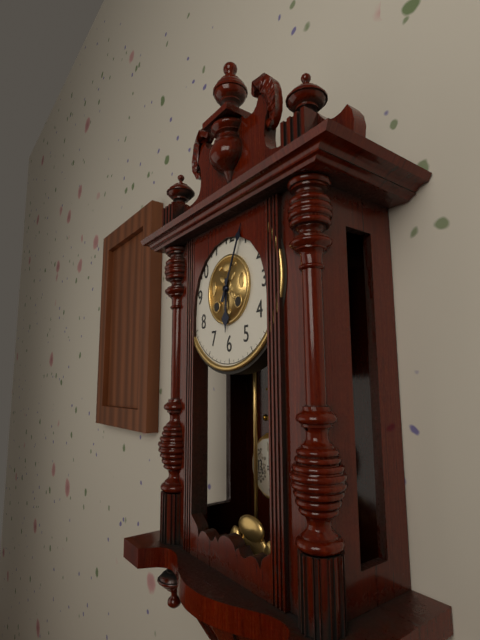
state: 6:04
